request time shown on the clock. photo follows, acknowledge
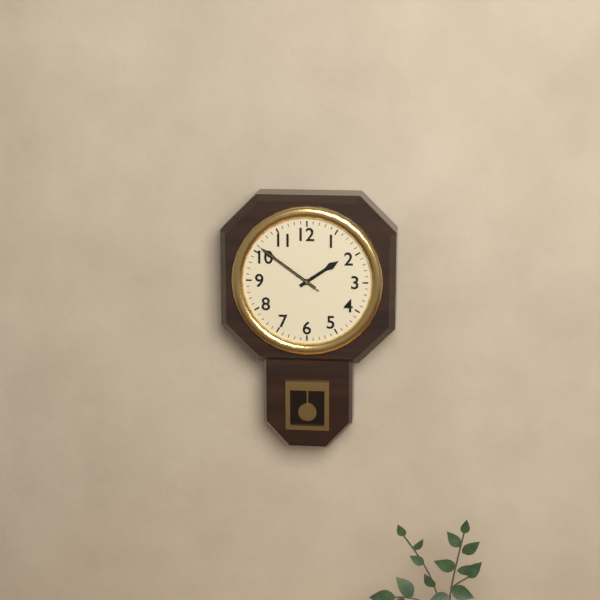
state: 1:51:51
